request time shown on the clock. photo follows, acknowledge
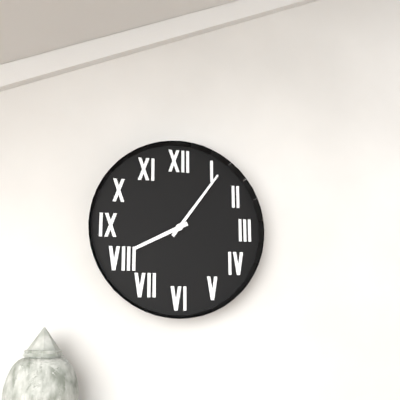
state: 8:06
